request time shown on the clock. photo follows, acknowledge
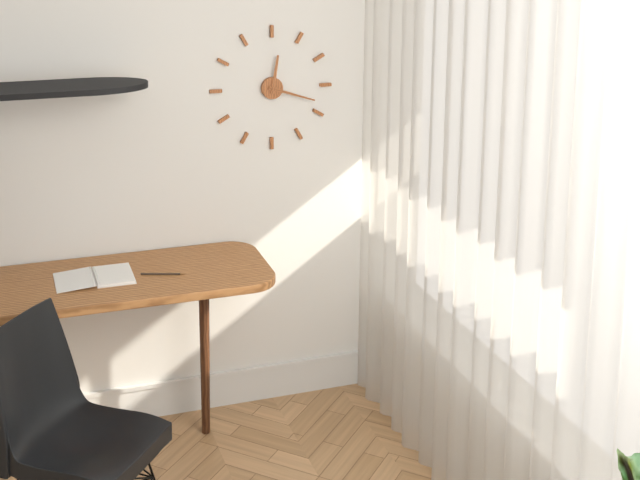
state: 12:18
